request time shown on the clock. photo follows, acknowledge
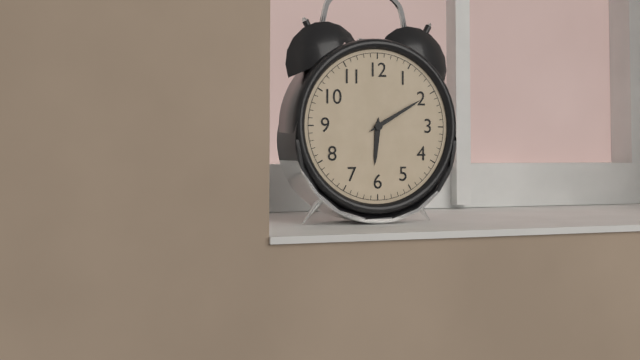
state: 6:10
